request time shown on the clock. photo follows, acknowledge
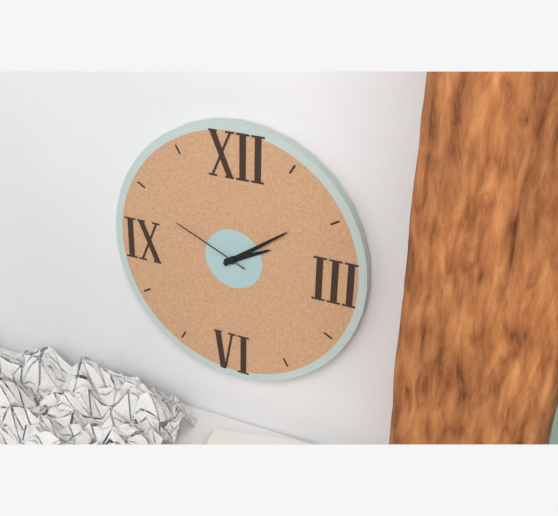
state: 2:09:49
